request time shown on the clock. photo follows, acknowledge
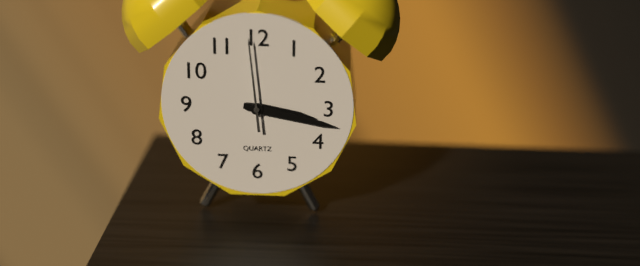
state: 3:17:59
